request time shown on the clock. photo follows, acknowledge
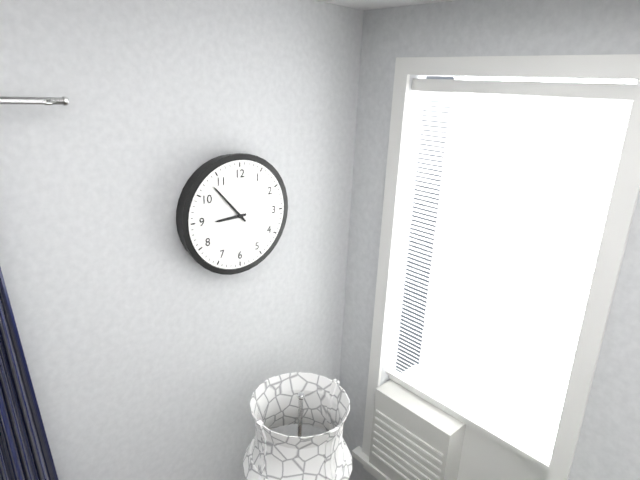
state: 8:53
